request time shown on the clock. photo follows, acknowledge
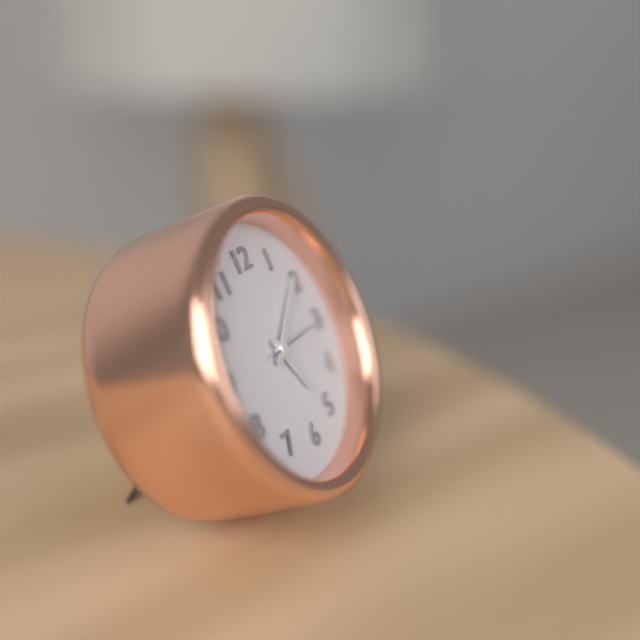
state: 5:09:15
